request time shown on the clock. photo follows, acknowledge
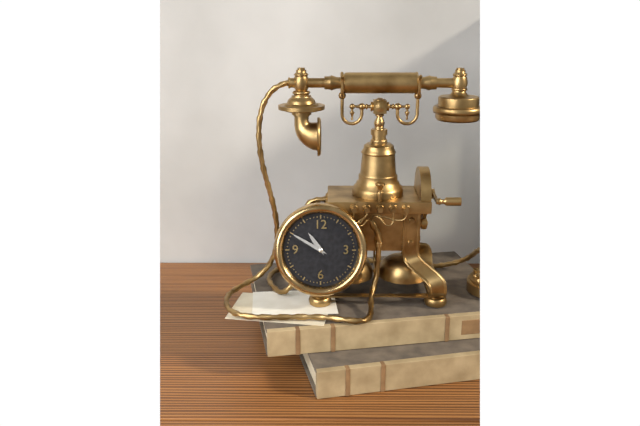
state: 10:50
